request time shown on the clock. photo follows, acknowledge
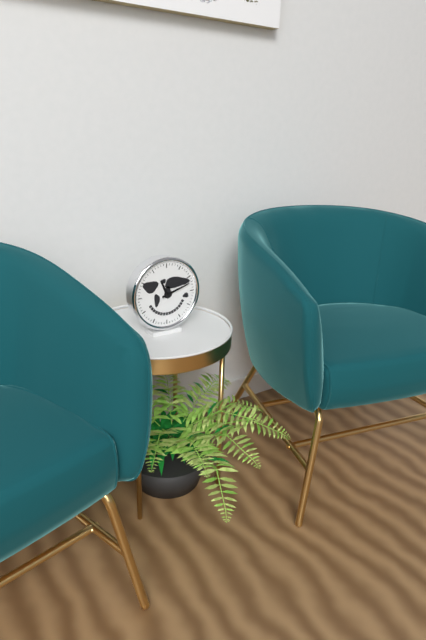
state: 11:12
